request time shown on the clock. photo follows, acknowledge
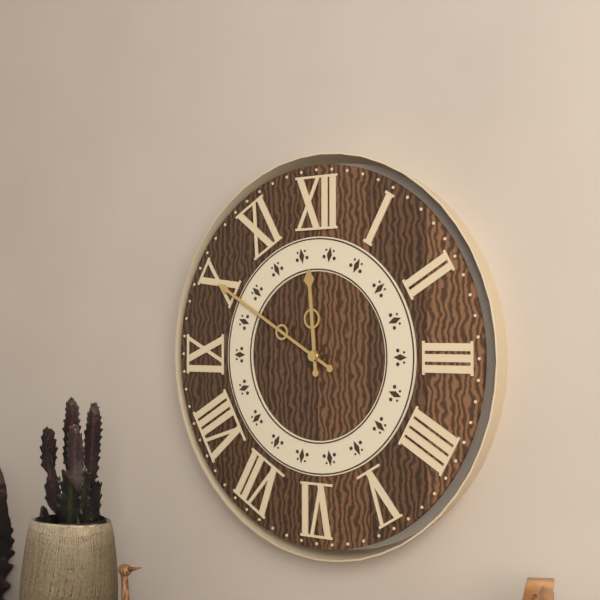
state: 11:50
